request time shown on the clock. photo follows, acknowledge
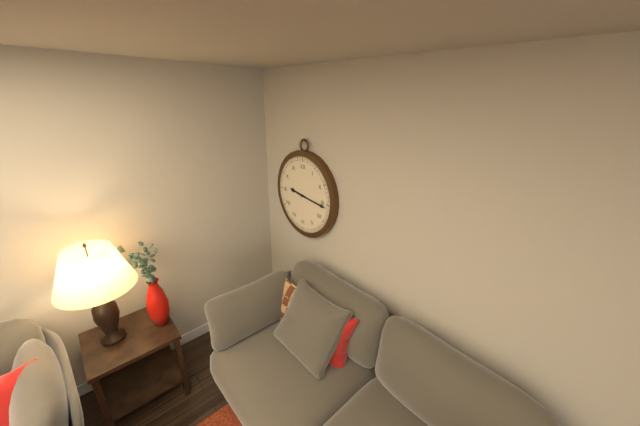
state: 9:16
